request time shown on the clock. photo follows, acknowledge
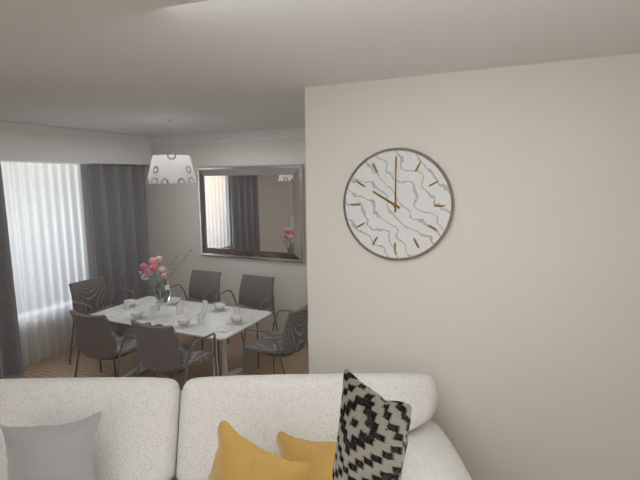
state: 10:00
